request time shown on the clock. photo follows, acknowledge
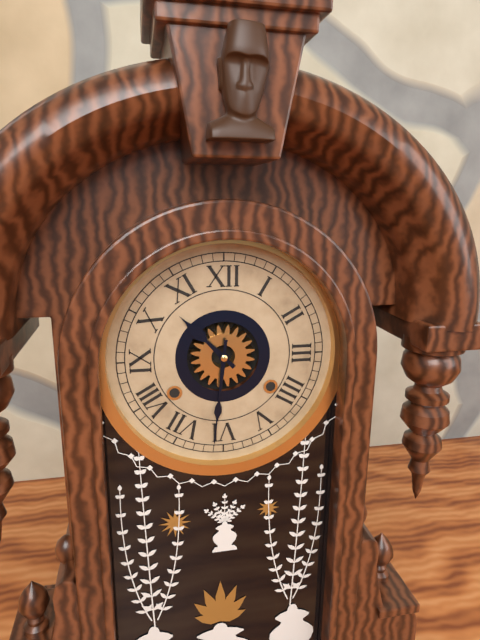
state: 10:31
